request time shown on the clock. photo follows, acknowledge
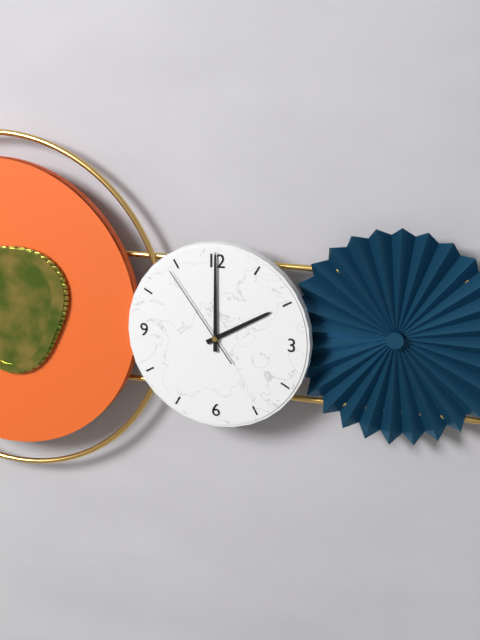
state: 2:00:54
